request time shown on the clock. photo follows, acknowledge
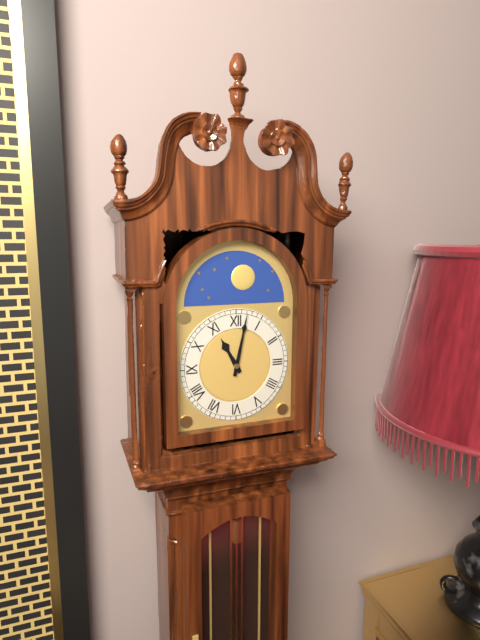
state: 11:02
